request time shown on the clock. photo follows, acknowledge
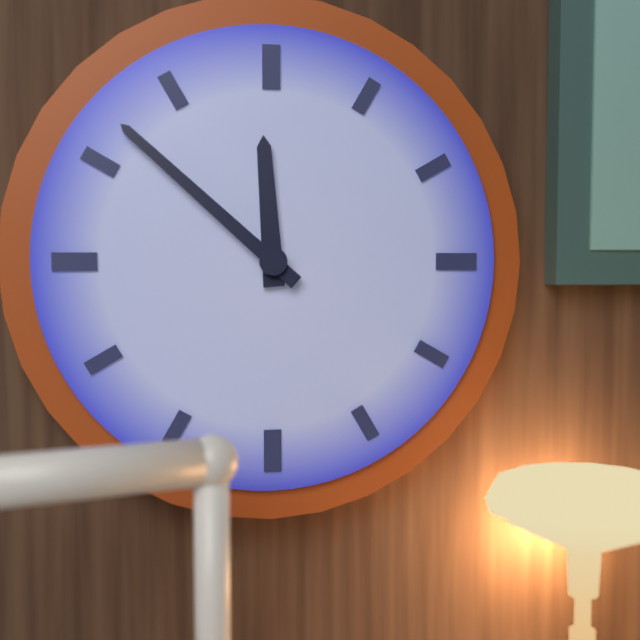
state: 11:52
